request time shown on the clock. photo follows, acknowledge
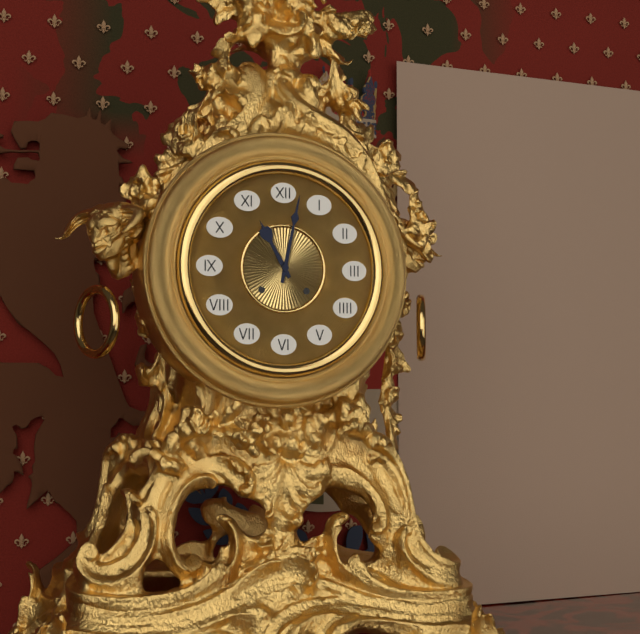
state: 11:02
